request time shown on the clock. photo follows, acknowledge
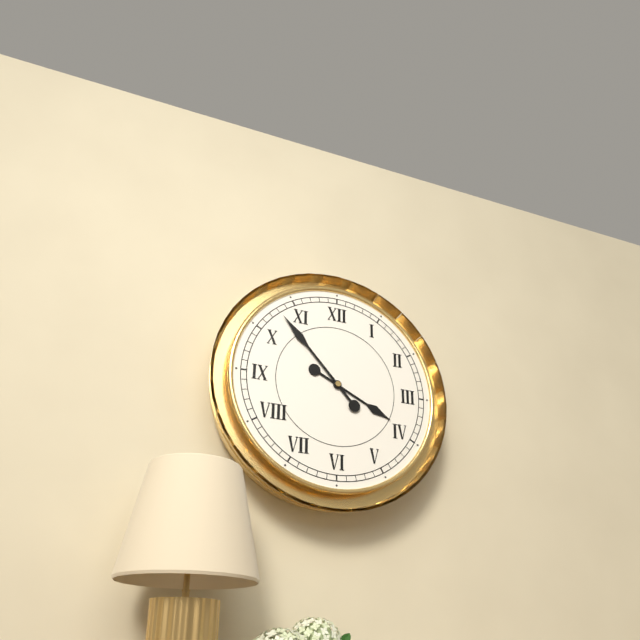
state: 3:53
